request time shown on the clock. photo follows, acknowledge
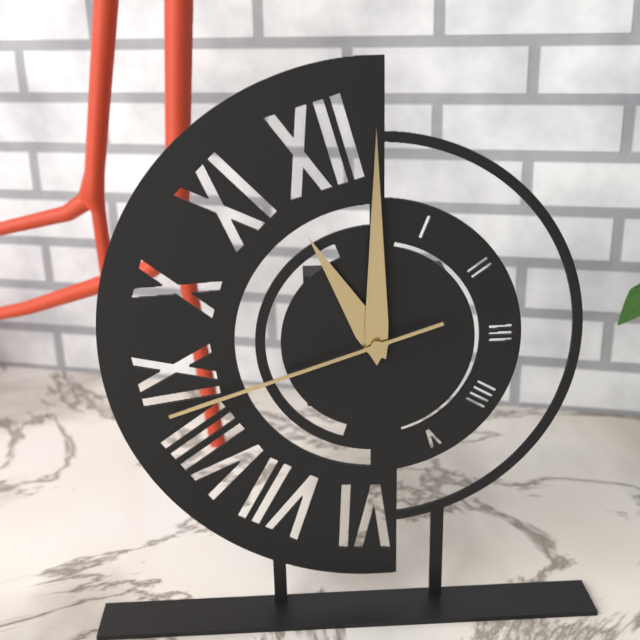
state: 11:00:42
